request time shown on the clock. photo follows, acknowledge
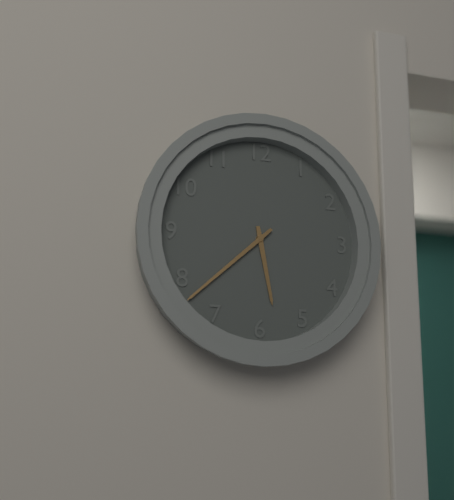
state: 5:38
